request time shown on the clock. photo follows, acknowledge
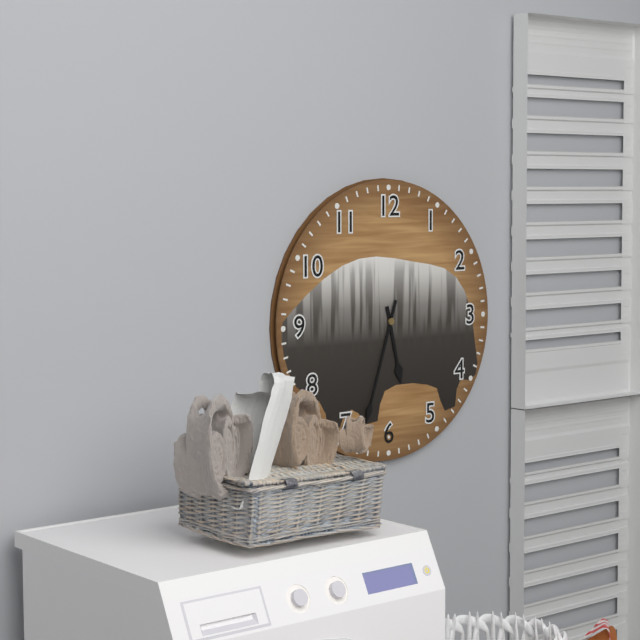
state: 5:33
